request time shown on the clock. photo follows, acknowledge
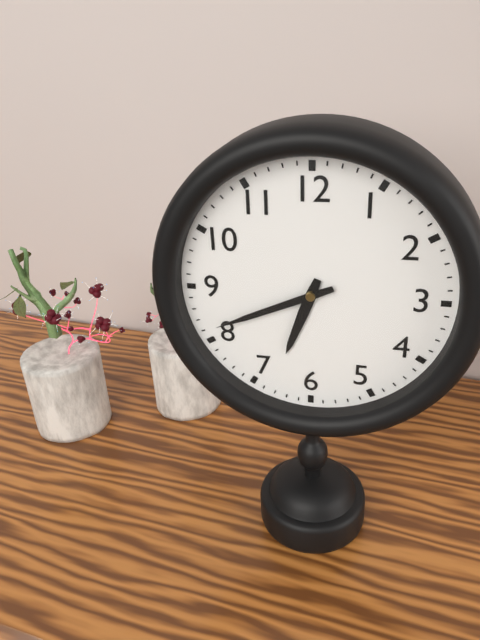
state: 6:41
